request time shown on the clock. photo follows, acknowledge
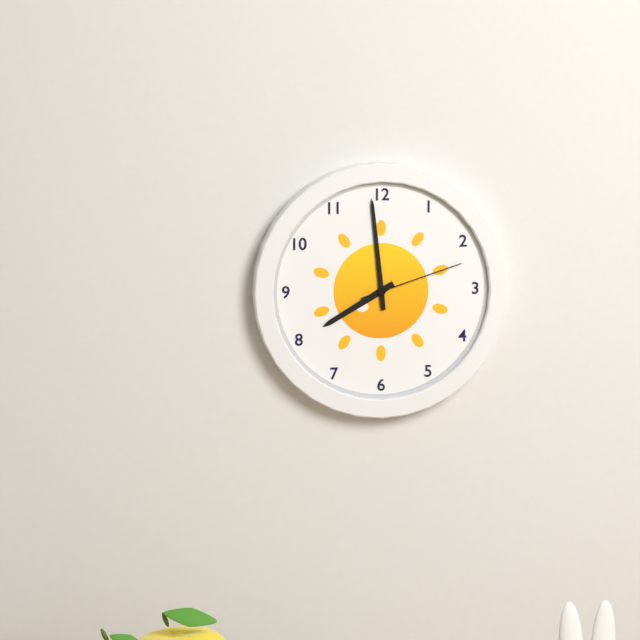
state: 7:59:12
